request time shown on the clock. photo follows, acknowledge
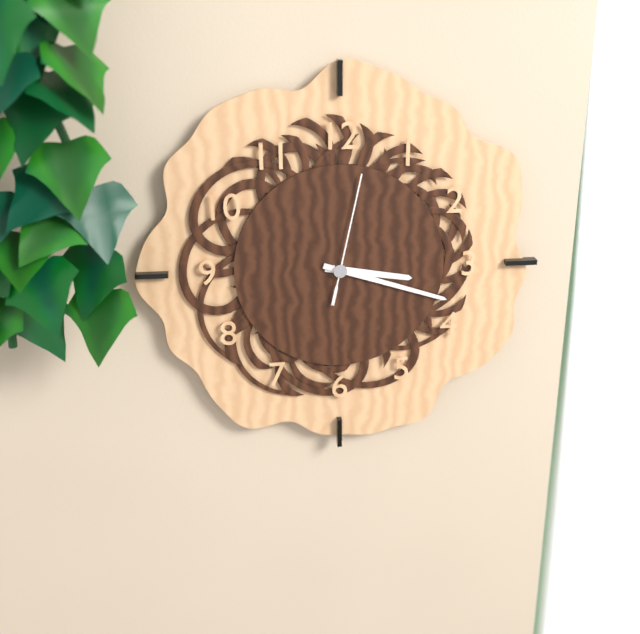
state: 3:18:02
